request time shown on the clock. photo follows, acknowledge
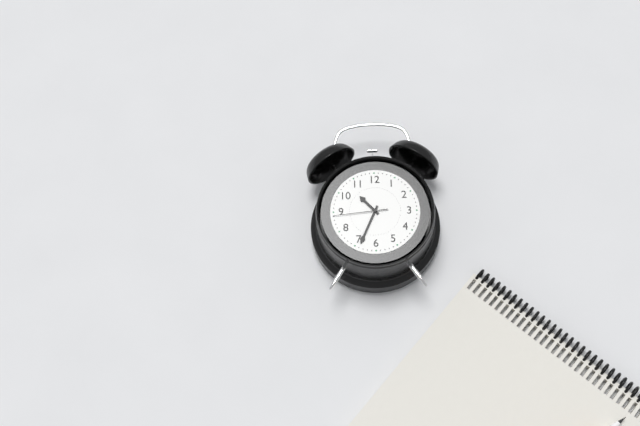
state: 10:34:44
